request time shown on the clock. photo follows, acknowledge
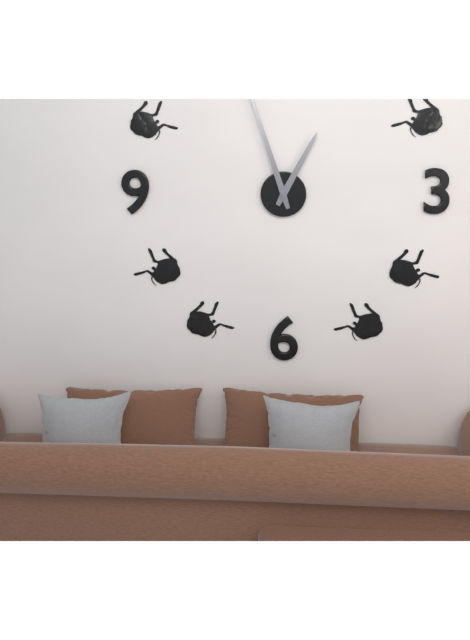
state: 12:57
